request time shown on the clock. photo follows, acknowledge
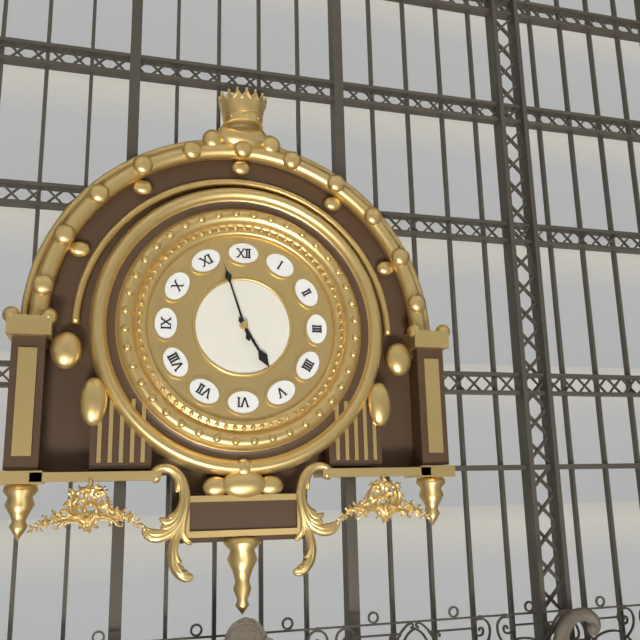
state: 4:57
